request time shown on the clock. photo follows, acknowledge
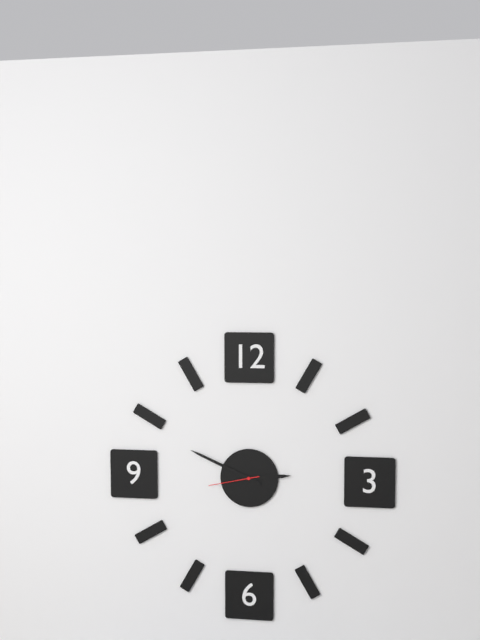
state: 2:49:43
